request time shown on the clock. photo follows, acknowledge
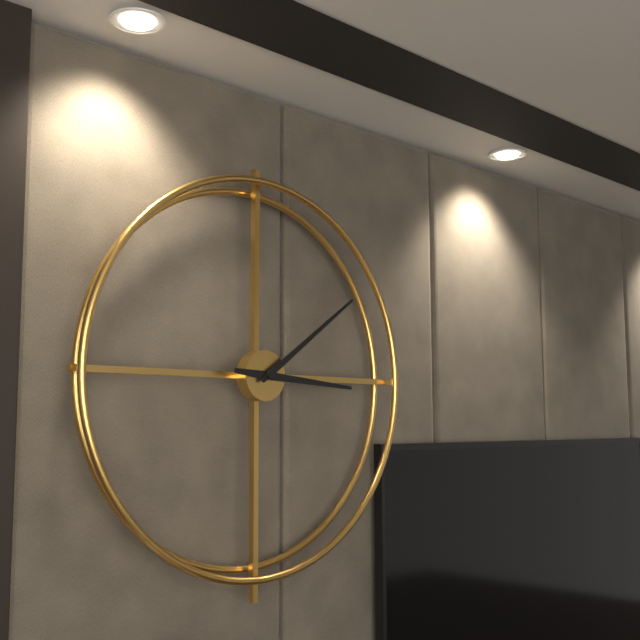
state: 3:09
